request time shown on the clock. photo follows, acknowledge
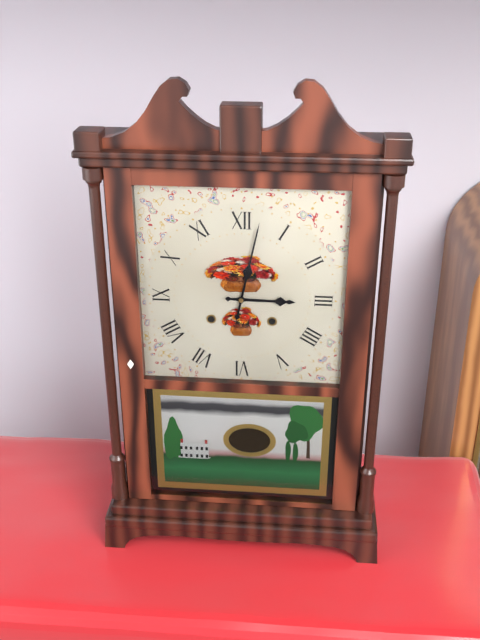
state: 3:02
